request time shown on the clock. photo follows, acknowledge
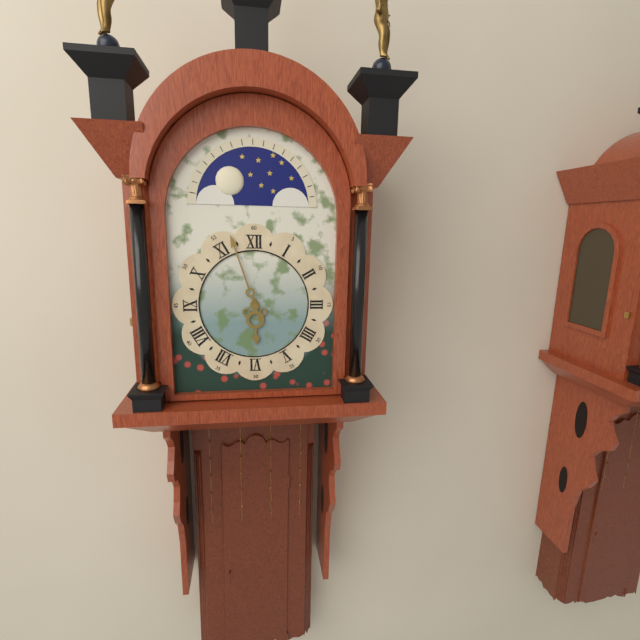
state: 5:57
